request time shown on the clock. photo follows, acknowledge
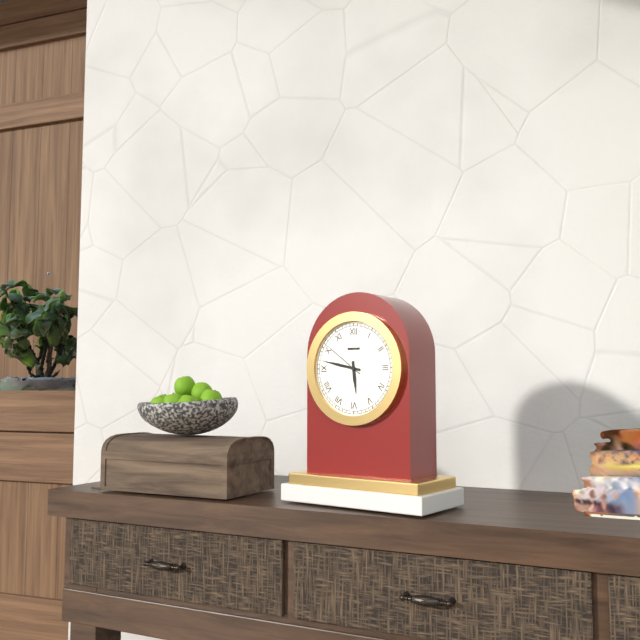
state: 5:47
